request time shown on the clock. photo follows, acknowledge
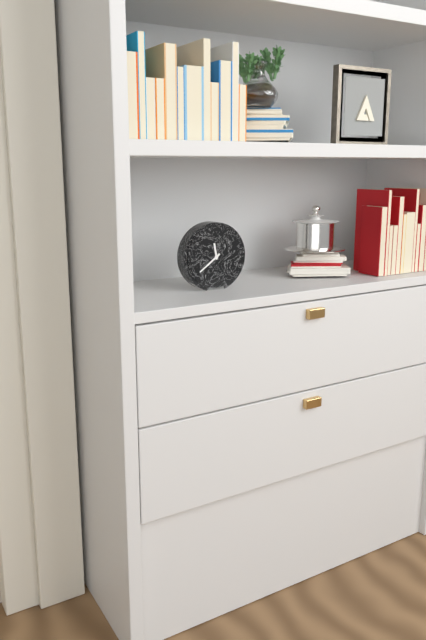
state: 11:39
